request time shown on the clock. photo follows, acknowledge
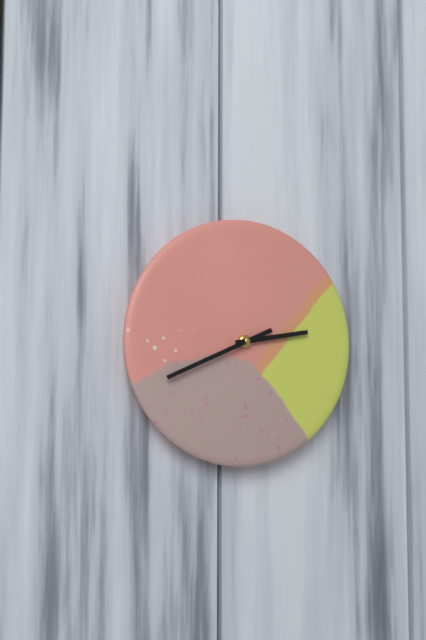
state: 2:41
